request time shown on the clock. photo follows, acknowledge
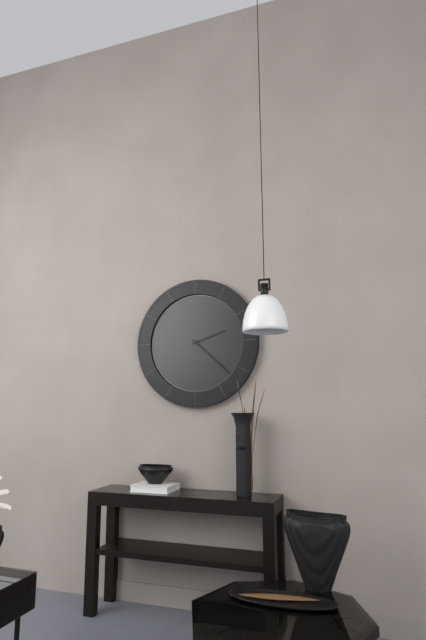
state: 2:22
